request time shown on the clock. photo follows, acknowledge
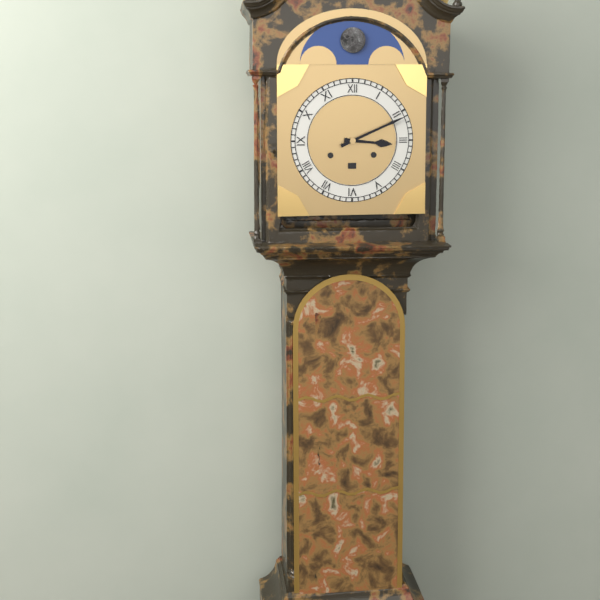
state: 3:11
